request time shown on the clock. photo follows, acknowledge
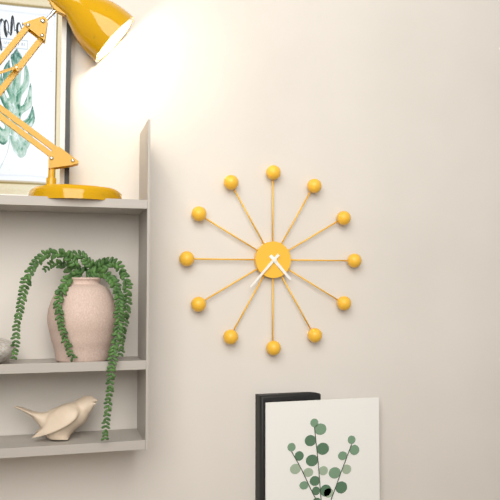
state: 4:37
